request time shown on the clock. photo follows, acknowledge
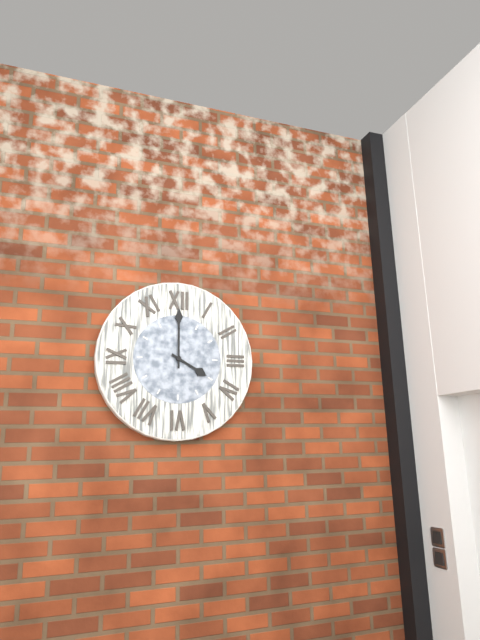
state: 4:00
